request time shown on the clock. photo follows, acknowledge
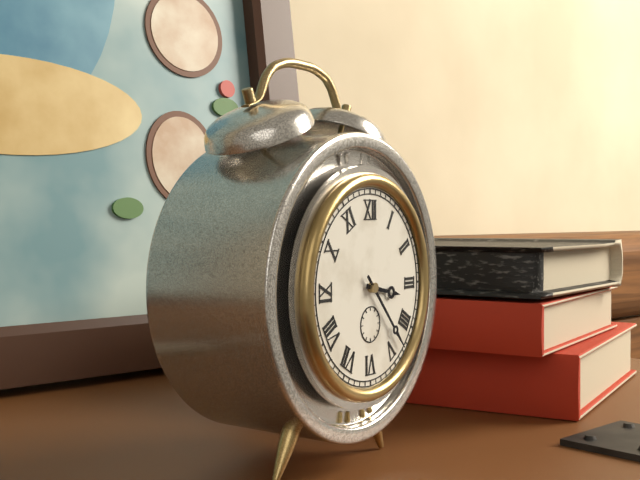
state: 3:23
